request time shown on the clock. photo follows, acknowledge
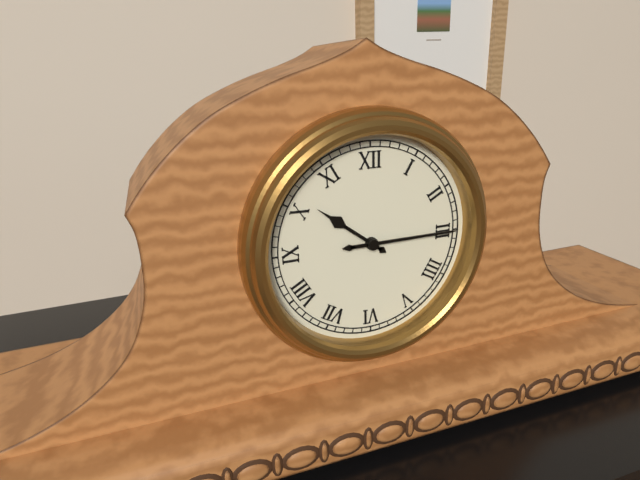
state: 10:15
